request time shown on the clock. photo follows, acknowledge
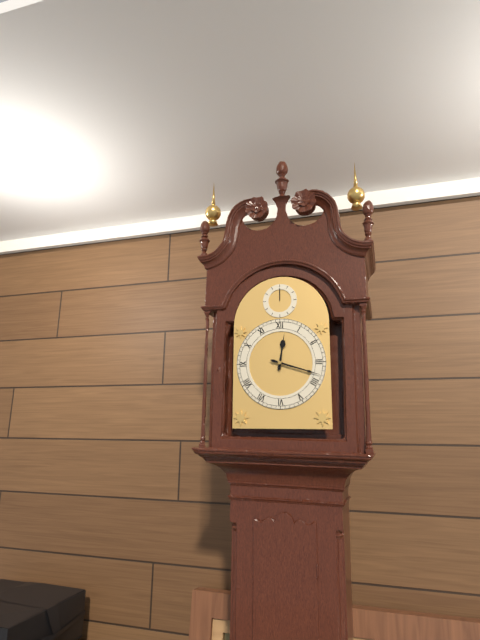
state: 12:18
